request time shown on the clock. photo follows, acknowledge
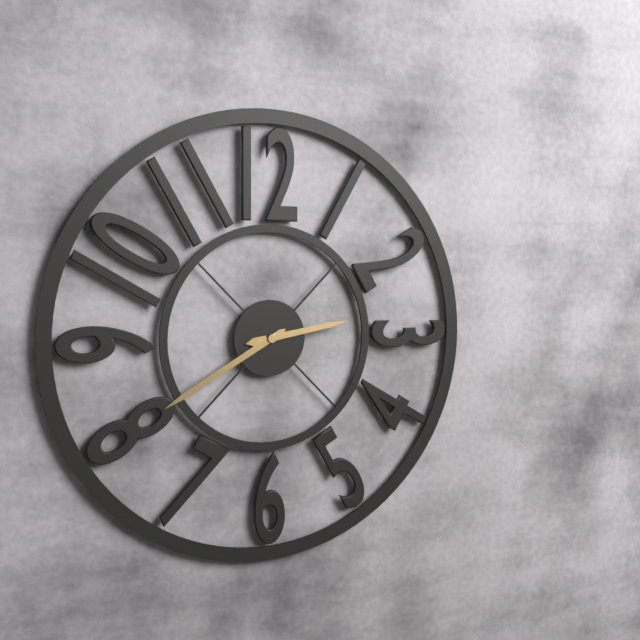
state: 2:40
